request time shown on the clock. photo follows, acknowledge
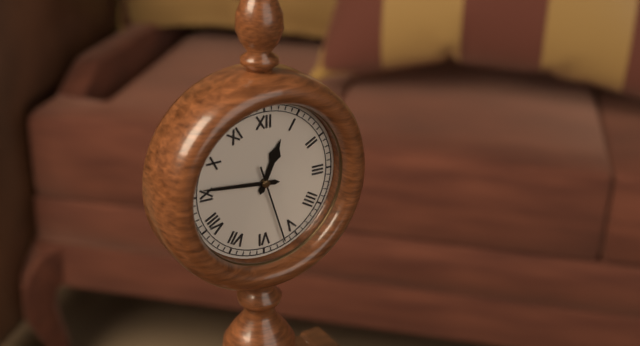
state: 12:46:27
